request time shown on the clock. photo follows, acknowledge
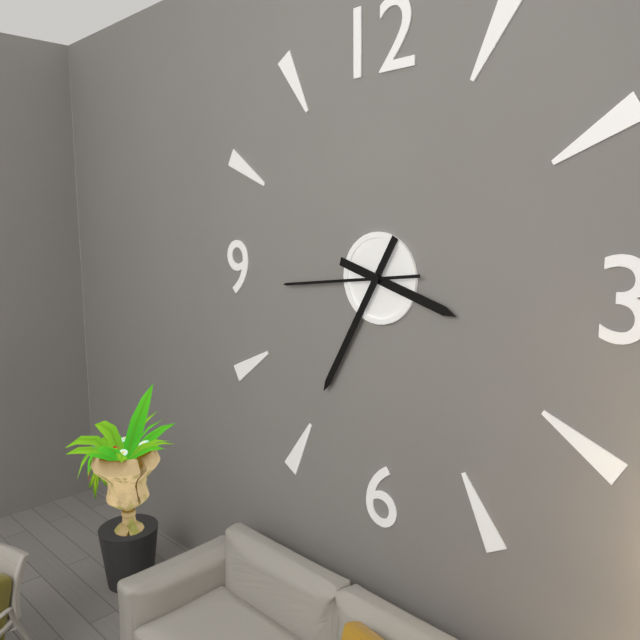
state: 3:35:44
